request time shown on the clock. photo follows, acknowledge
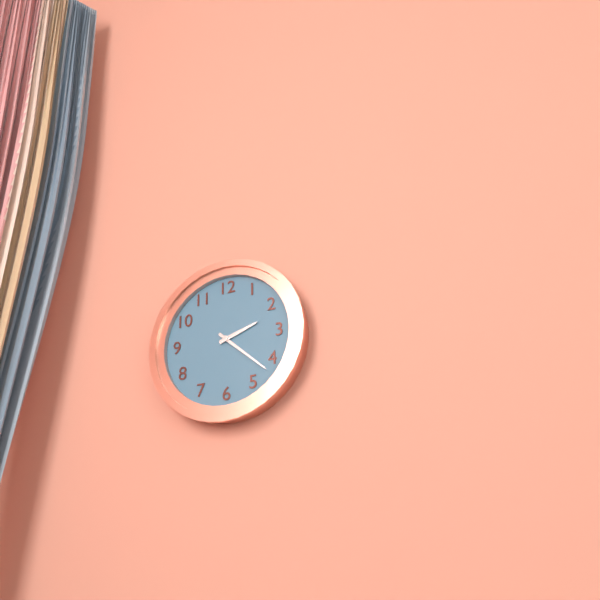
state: 2:22
